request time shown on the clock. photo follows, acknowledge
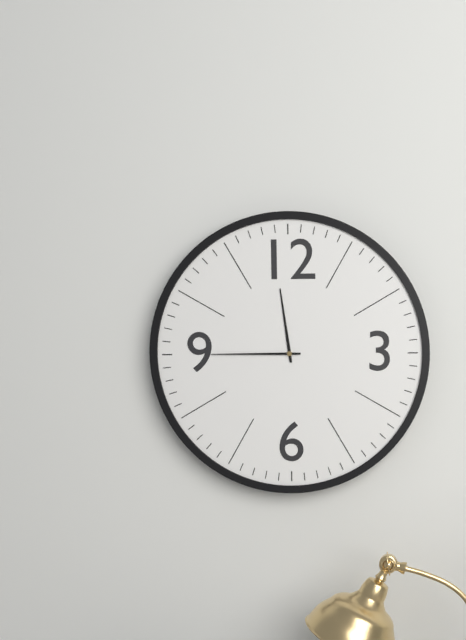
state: 11:45
